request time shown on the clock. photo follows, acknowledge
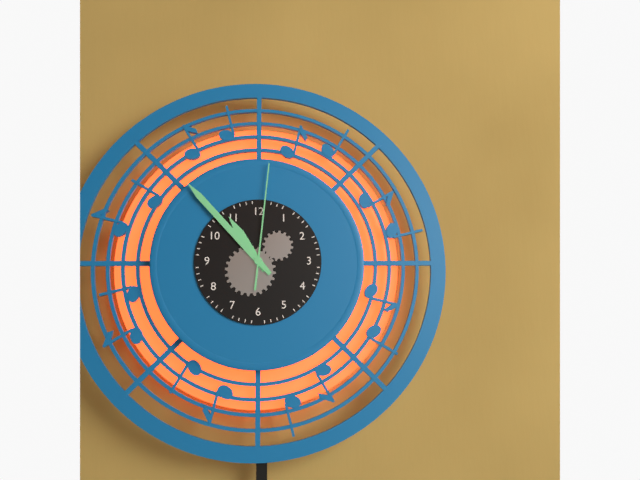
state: 10:53:01
